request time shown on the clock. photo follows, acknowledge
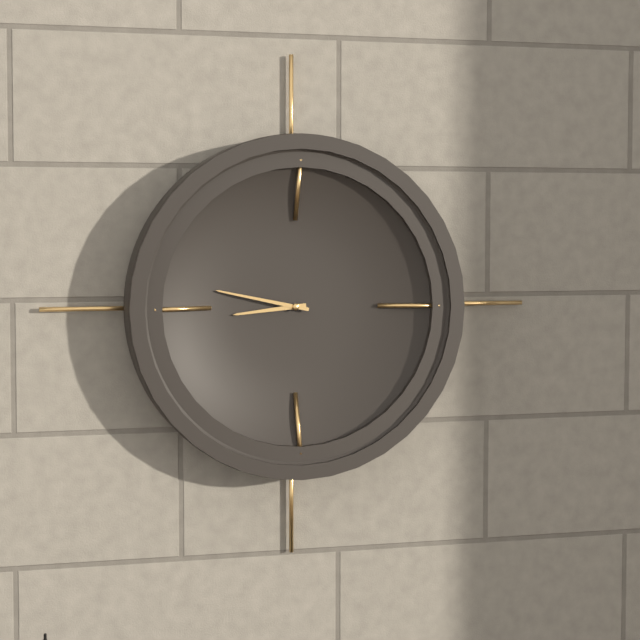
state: 8:47
